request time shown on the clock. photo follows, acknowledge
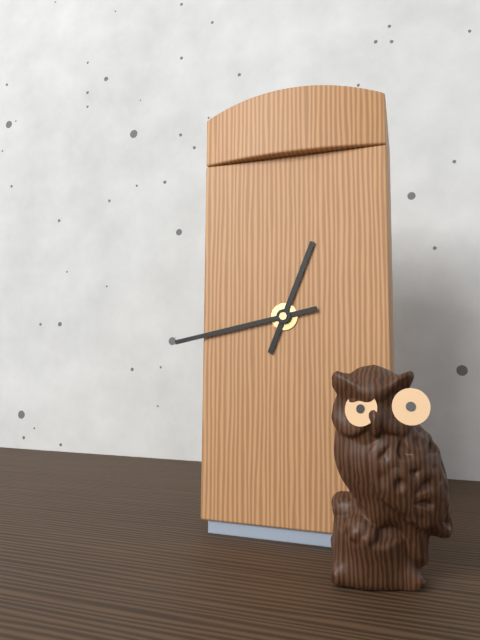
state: 12:43
